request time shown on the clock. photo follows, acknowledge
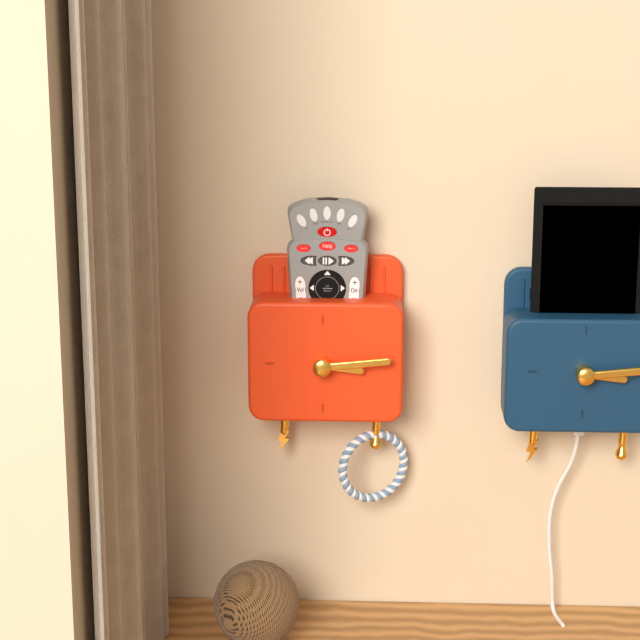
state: 3:14
